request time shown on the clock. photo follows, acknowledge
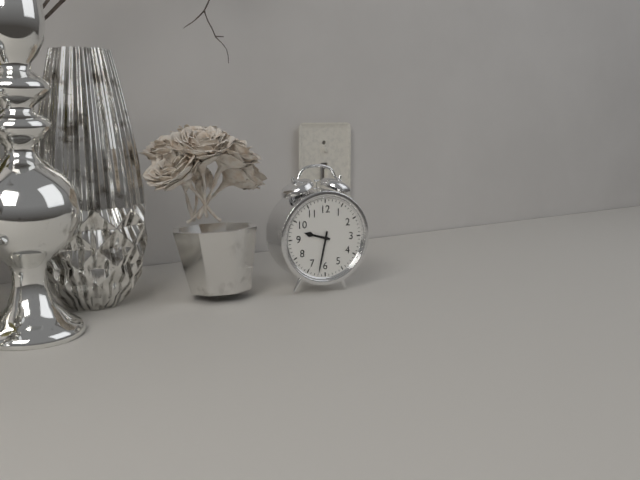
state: 9:32
